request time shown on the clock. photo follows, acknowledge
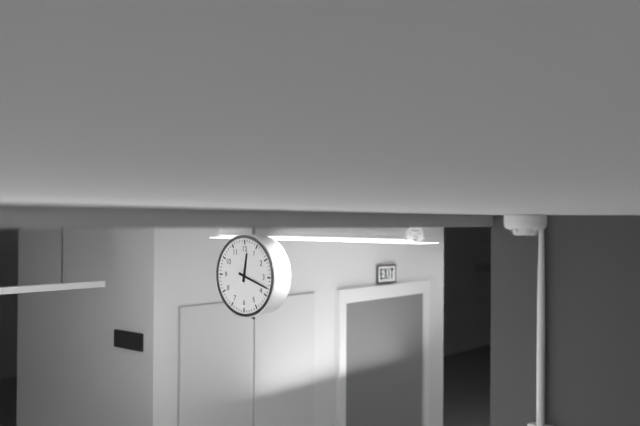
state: 12:18
